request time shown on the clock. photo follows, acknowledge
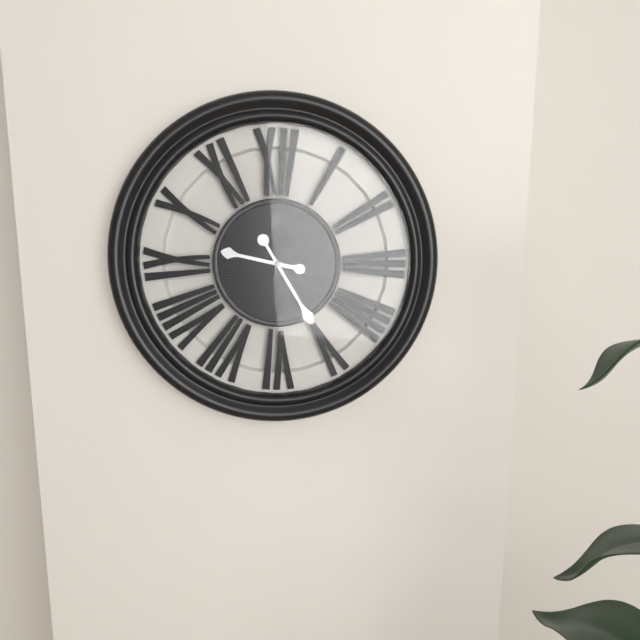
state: 9:25
